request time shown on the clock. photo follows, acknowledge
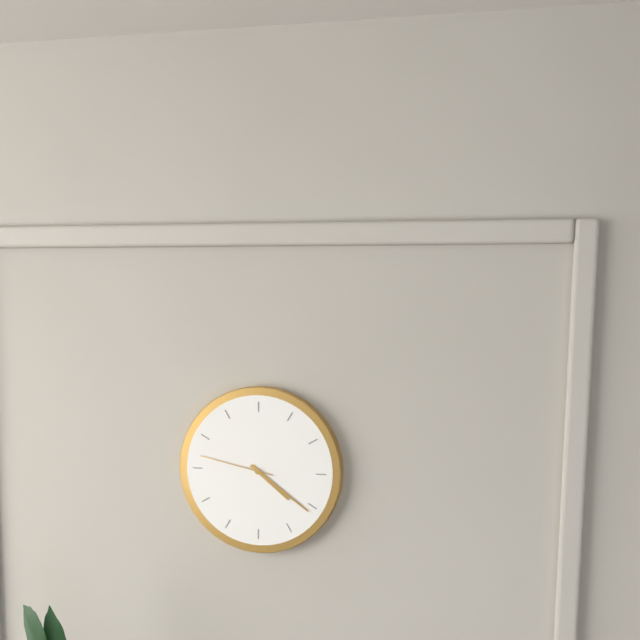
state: 4:21:47
